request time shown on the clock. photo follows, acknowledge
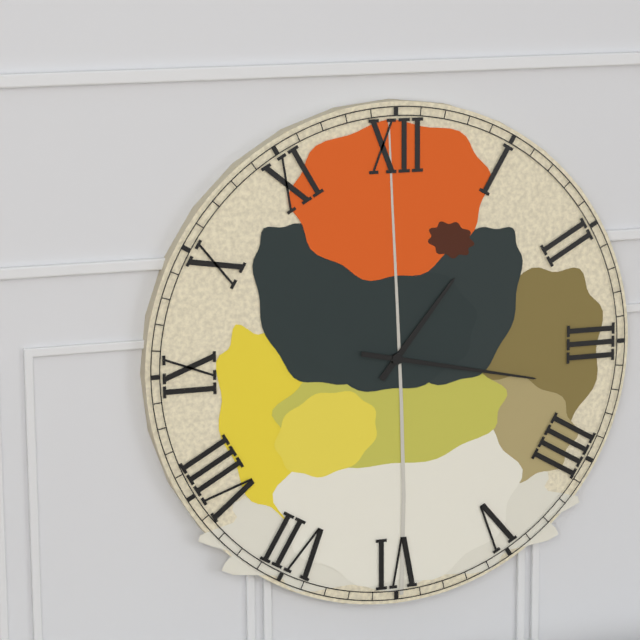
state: 1:17
